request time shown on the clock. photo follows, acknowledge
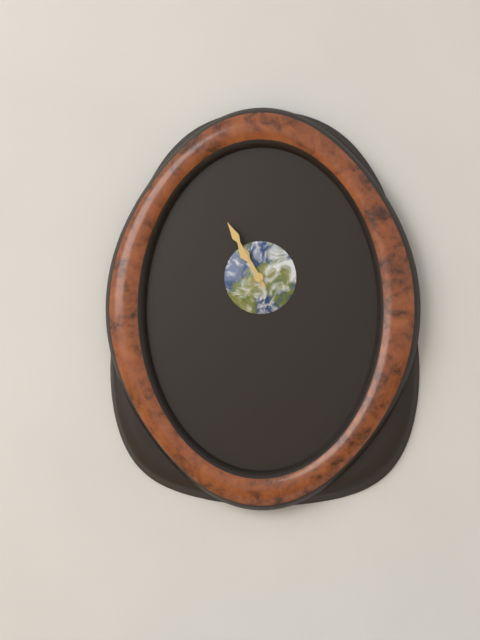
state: 10:55
